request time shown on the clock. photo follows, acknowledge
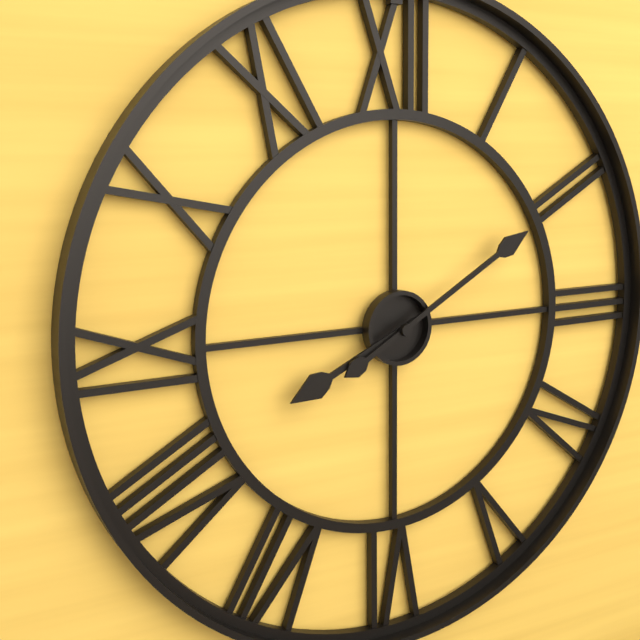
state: 8:10
